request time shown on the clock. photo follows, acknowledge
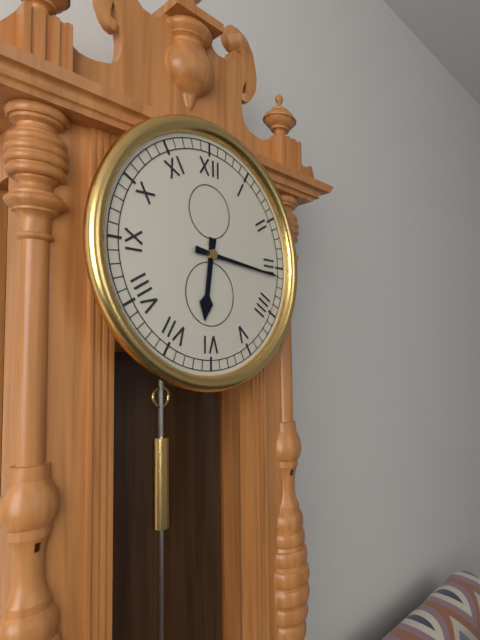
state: 6:16
